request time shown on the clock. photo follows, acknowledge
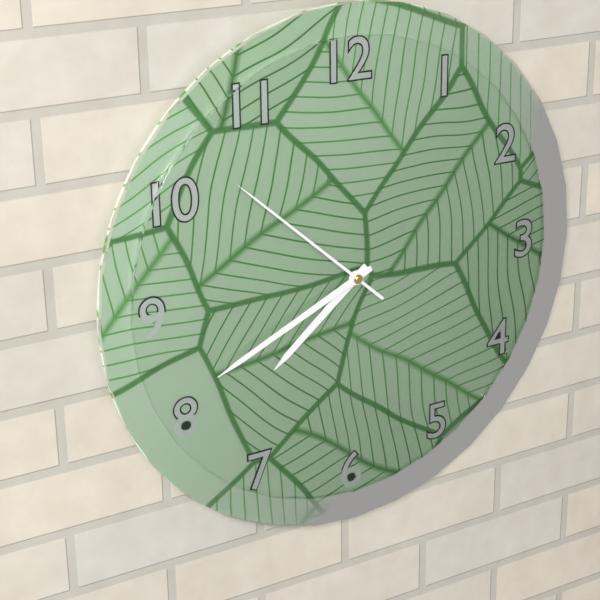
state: 7:41:52
